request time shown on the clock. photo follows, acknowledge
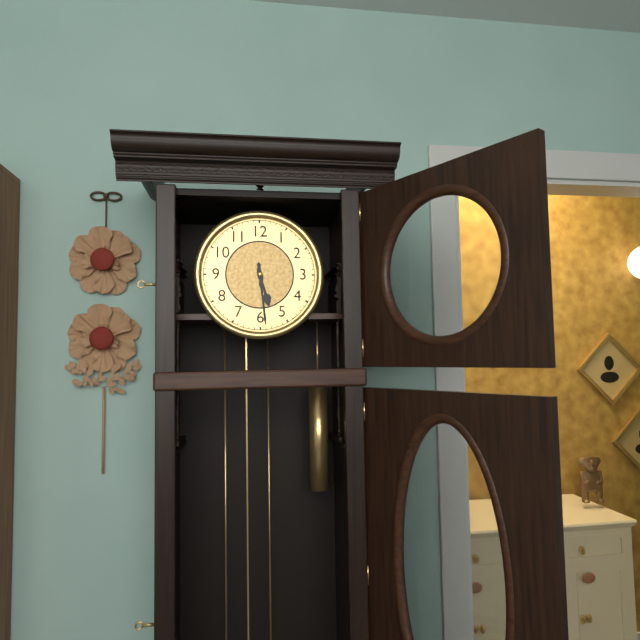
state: 5:29
